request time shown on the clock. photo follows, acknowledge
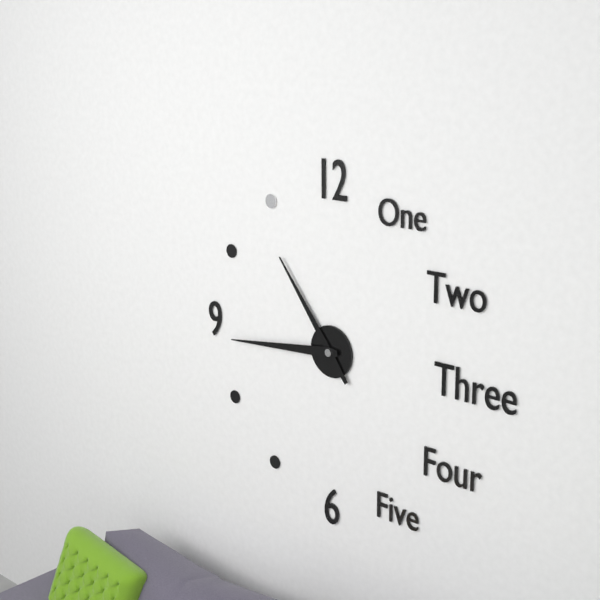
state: 10:44
